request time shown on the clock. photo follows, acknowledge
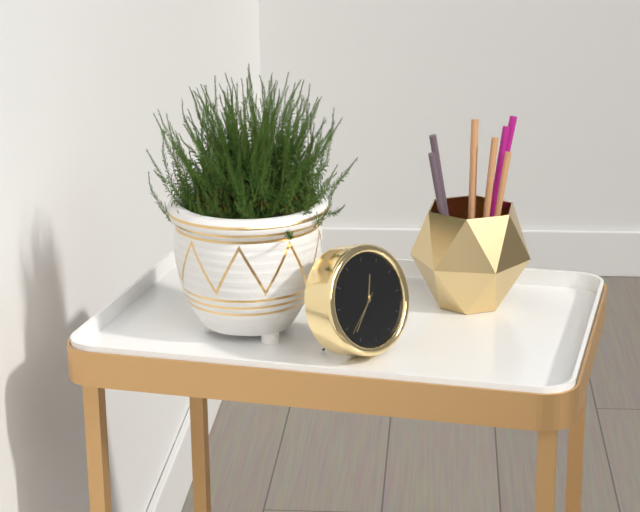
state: 12:37
